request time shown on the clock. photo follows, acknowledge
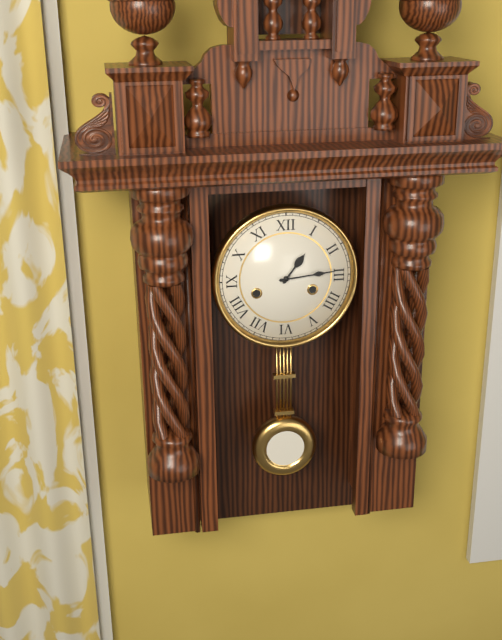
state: 1:14
